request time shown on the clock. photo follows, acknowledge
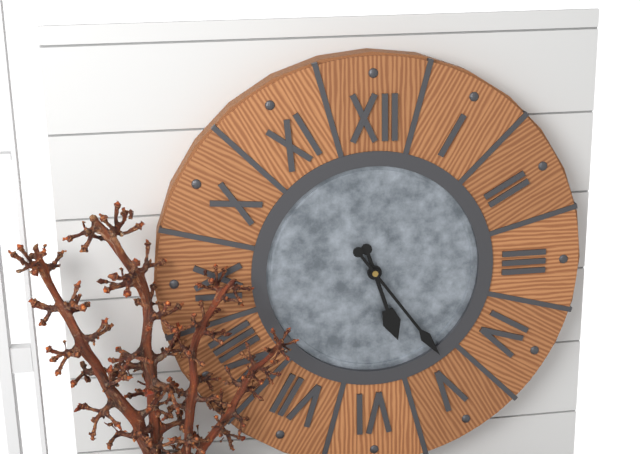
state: 5:24
